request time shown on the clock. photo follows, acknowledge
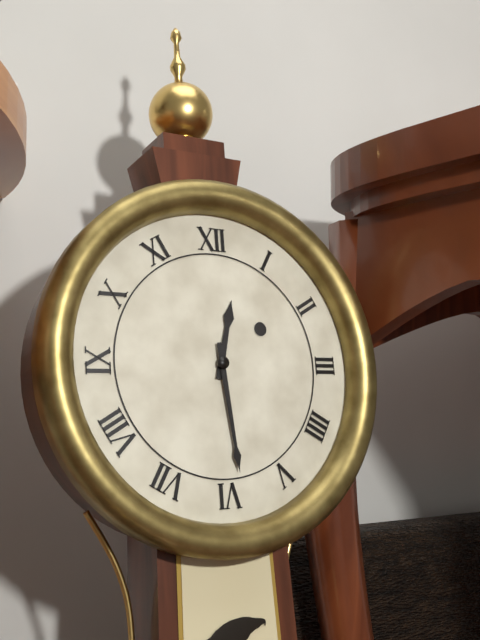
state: 12:29
